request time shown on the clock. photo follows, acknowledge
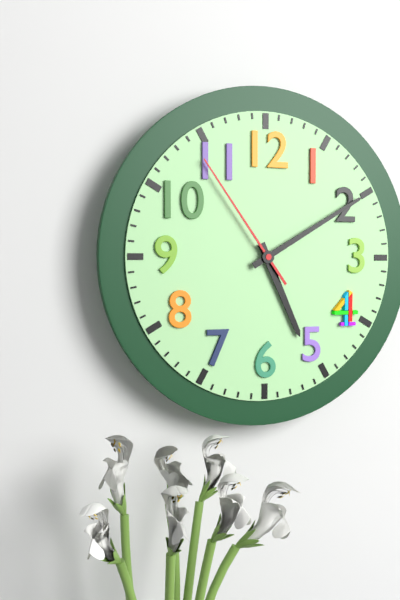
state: 5:10:54
